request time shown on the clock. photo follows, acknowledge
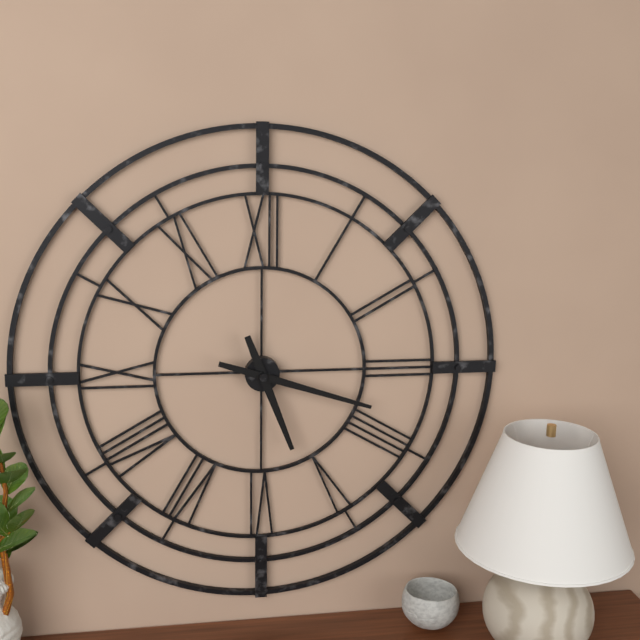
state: 5:18
